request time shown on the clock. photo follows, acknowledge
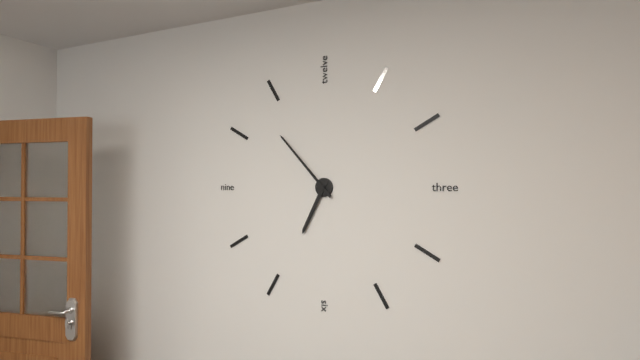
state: 6:53
